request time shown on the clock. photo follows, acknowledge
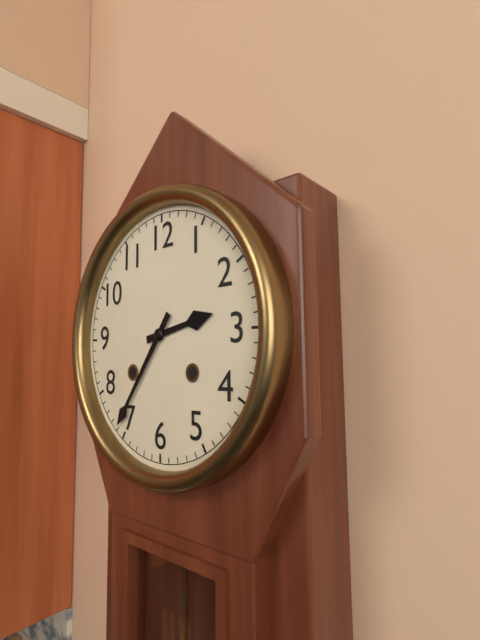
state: 2:36
